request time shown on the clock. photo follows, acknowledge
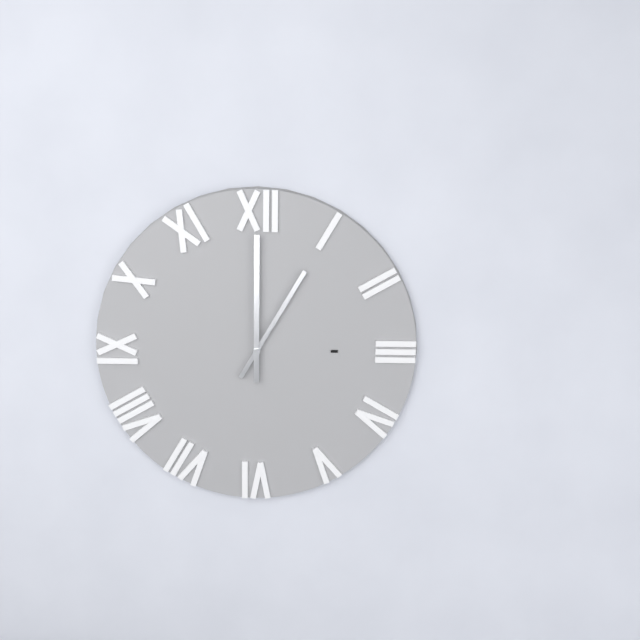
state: 1:00
